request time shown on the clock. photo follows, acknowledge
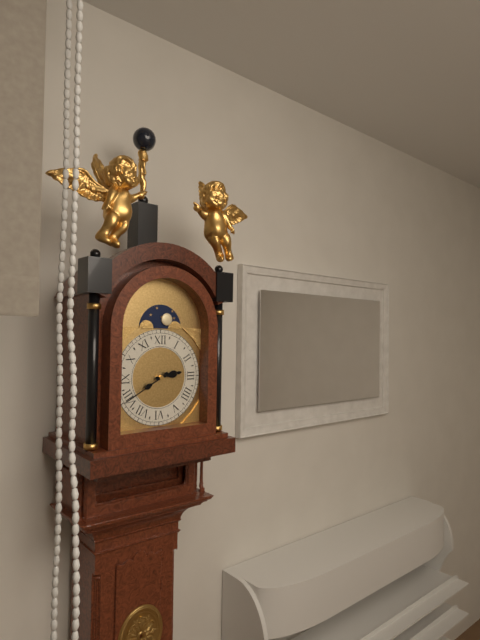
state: 2:40
